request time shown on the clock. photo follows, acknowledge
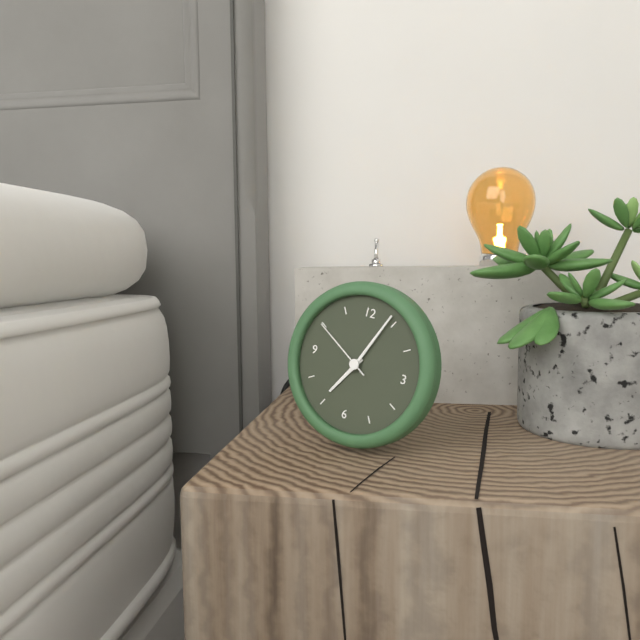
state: 7:04:50
